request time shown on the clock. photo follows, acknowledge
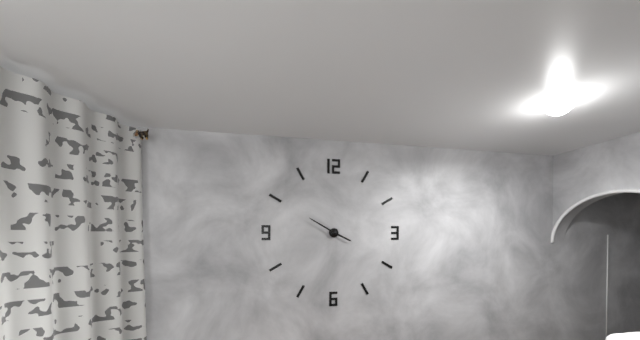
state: 3:50
